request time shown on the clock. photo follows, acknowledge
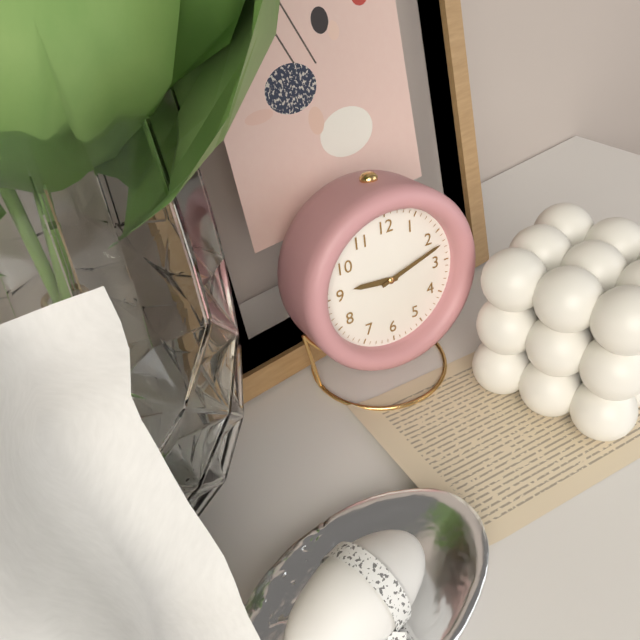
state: 9:12
